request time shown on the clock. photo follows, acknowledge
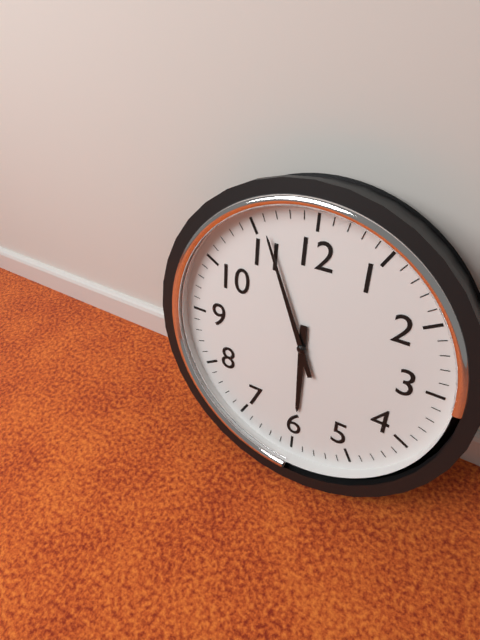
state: 5:56
